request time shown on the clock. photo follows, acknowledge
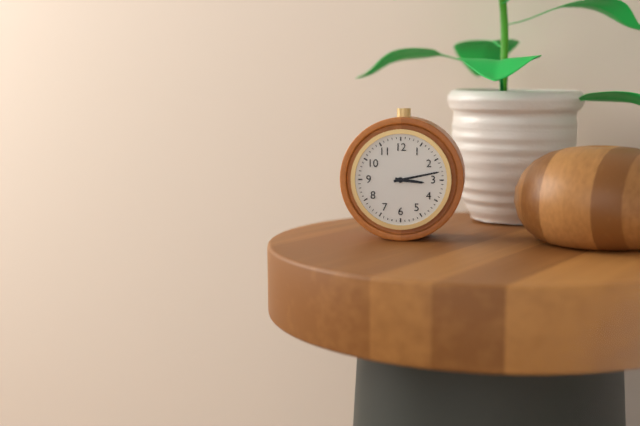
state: 3:13
